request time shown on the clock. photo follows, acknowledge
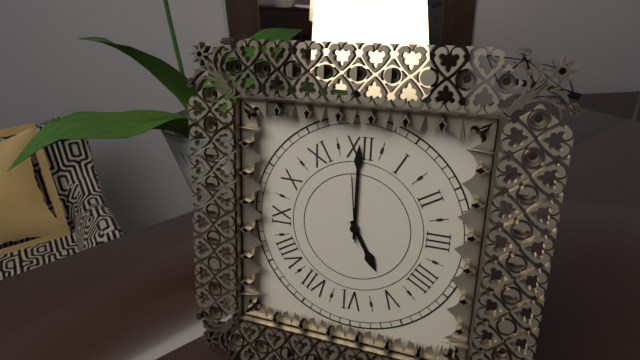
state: 5:00:59
